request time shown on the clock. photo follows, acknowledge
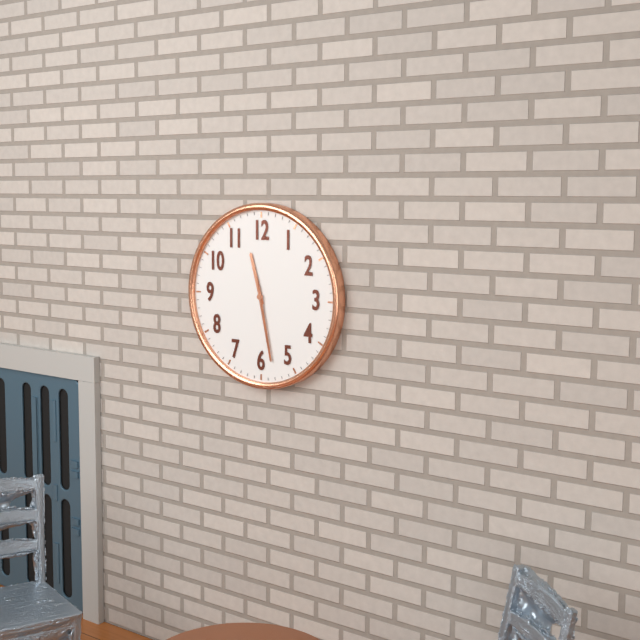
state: 11:28:28
